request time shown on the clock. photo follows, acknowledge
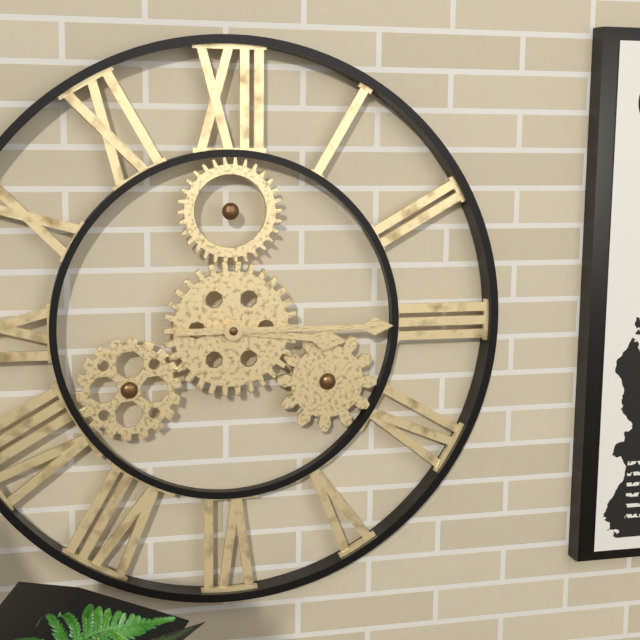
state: 3:15
